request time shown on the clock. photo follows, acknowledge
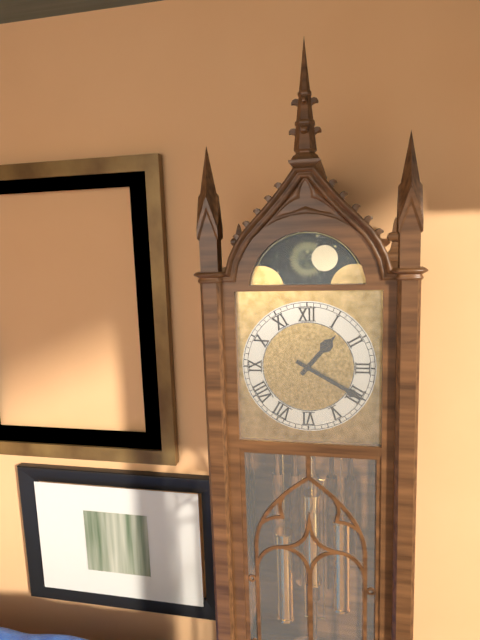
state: 1:20
